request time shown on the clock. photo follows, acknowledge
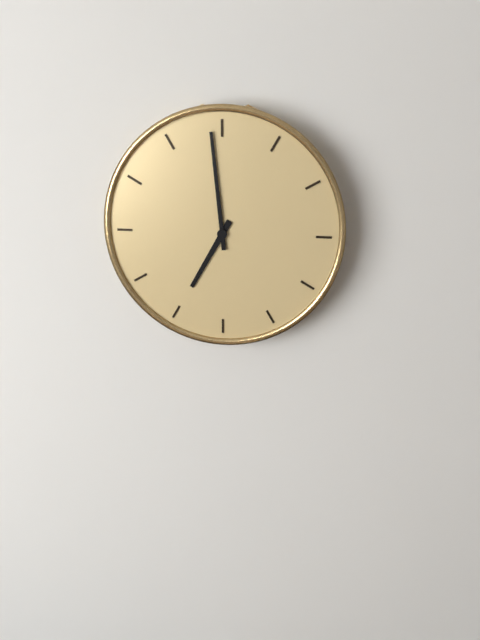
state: 6:59
